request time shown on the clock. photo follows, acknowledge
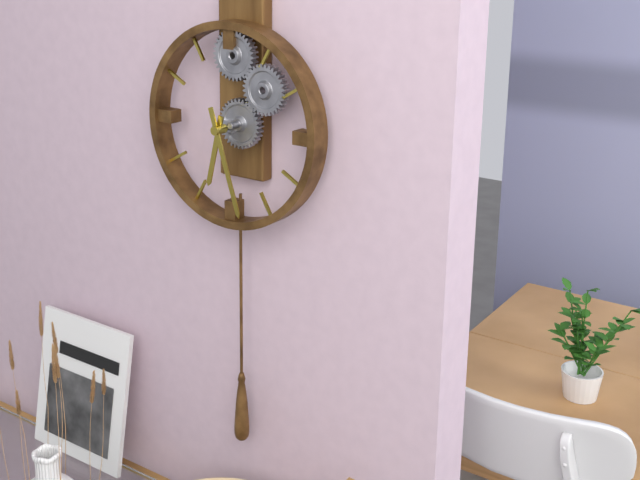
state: 6:27
